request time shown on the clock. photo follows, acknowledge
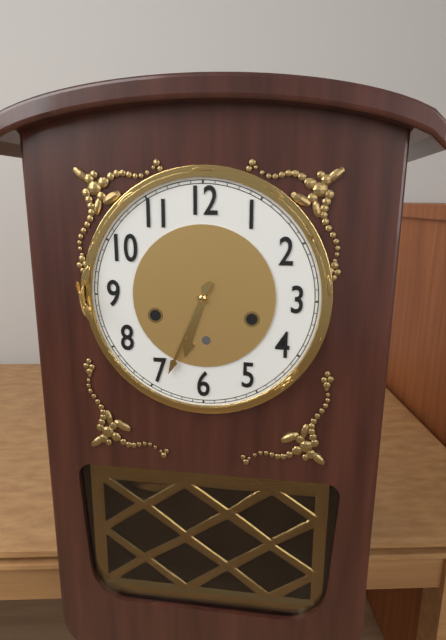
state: 6:34
